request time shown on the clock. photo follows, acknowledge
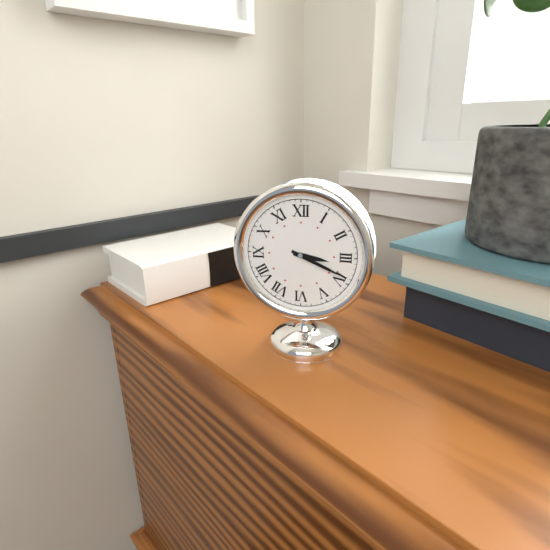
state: 3:19
